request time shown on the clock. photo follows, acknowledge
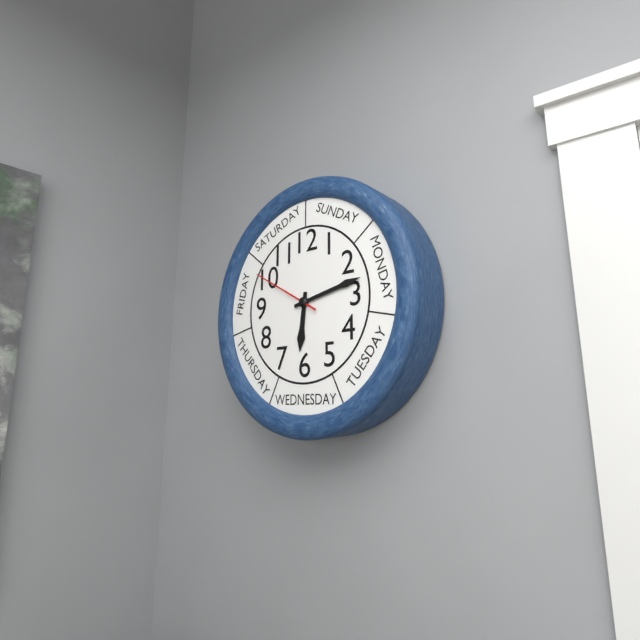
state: 6:13:50
